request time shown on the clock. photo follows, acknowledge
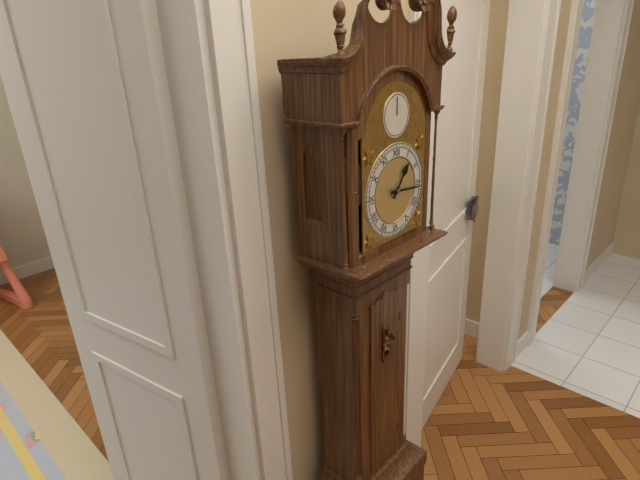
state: 1:16
